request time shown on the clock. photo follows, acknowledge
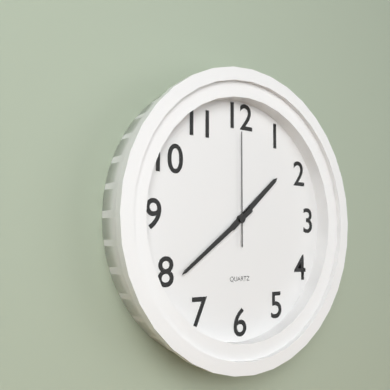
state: 1:39:00
